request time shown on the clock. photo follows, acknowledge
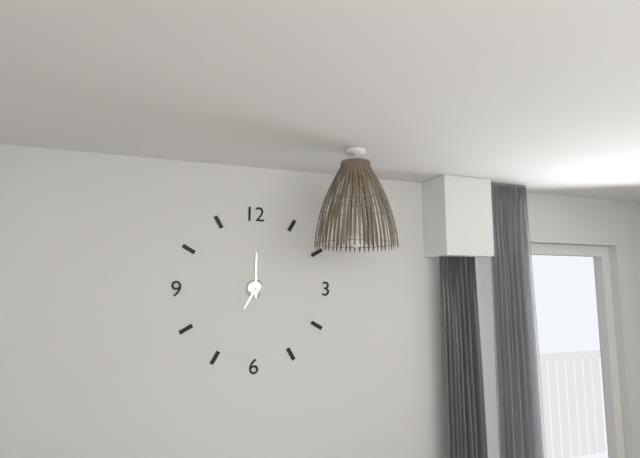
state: 7:00
